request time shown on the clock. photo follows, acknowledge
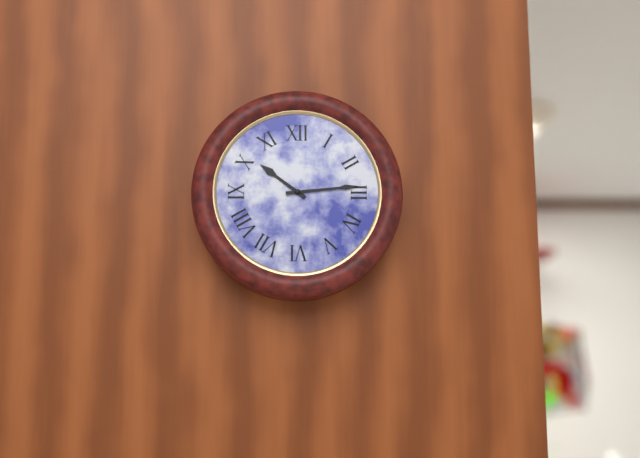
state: 10:14
